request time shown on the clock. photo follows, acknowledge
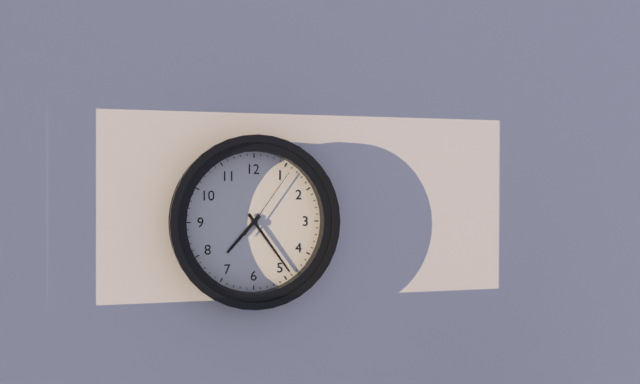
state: 7:24:06
